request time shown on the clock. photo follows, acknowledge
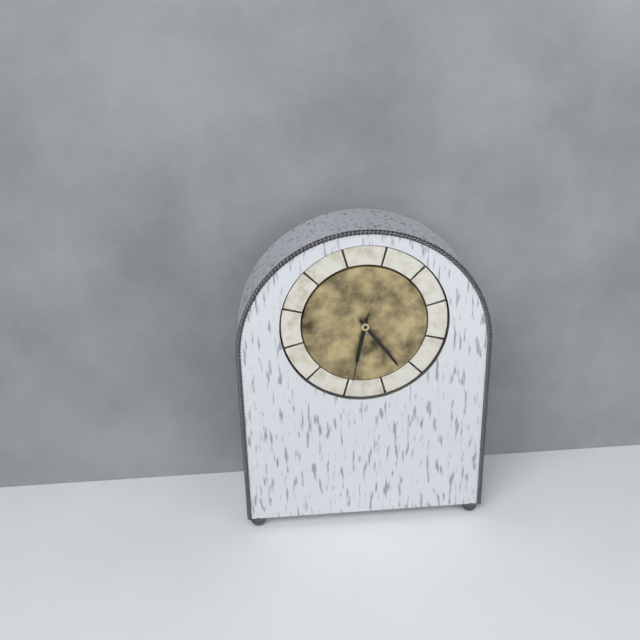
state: 6:24:32
